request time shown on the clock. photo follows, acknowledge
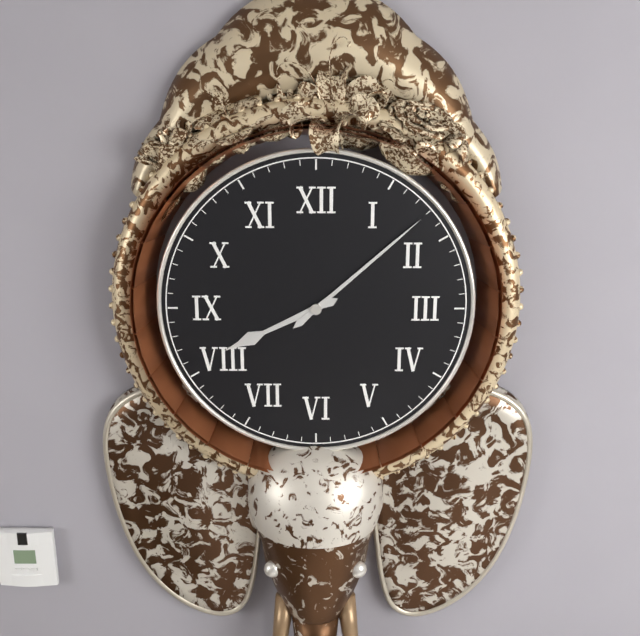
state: 8:08
